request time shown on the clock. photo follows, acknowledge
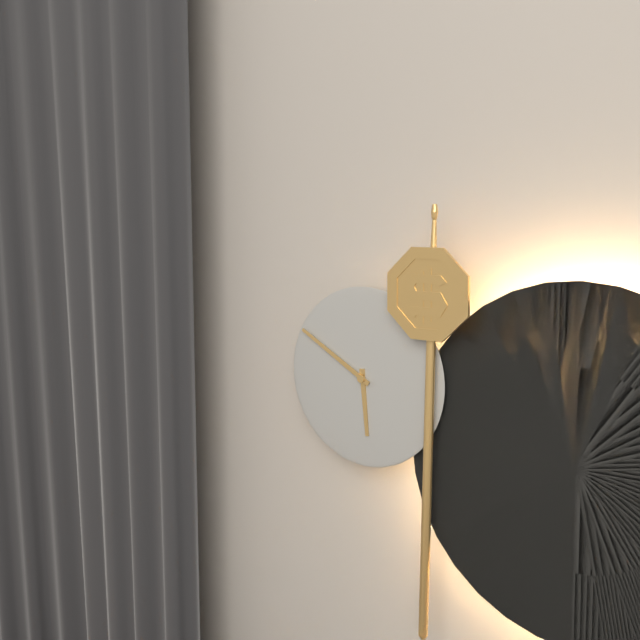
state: 5:50
